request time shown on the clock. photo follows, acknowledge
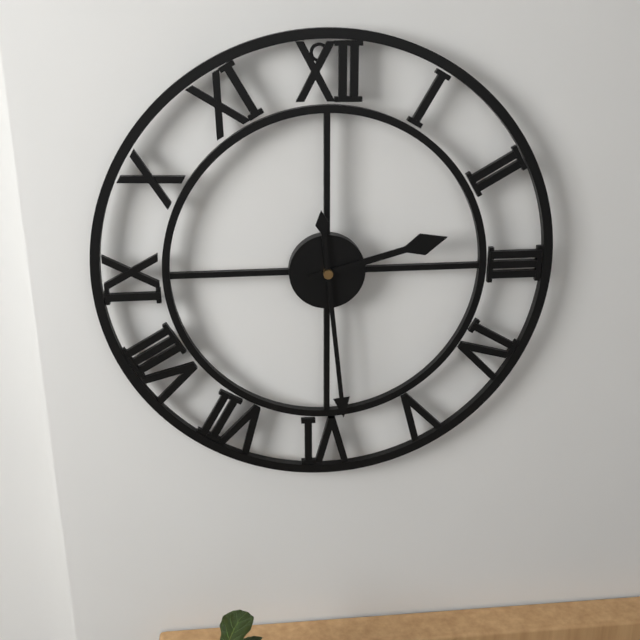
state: 2:29
